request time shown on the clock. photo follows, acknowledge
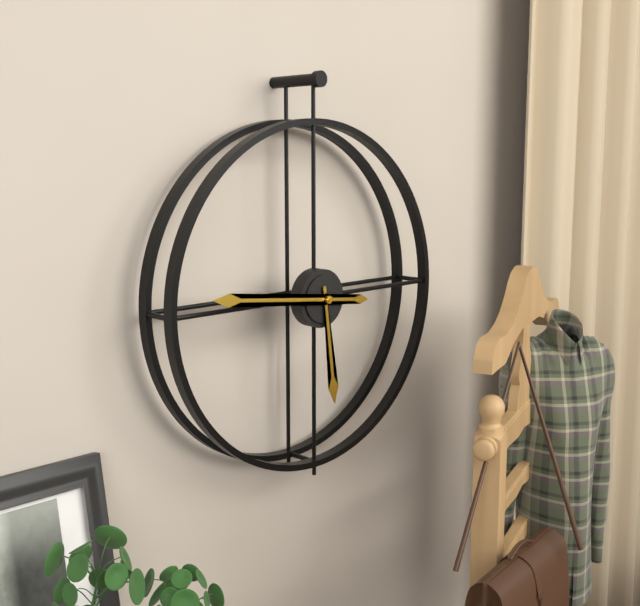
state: 5:46
